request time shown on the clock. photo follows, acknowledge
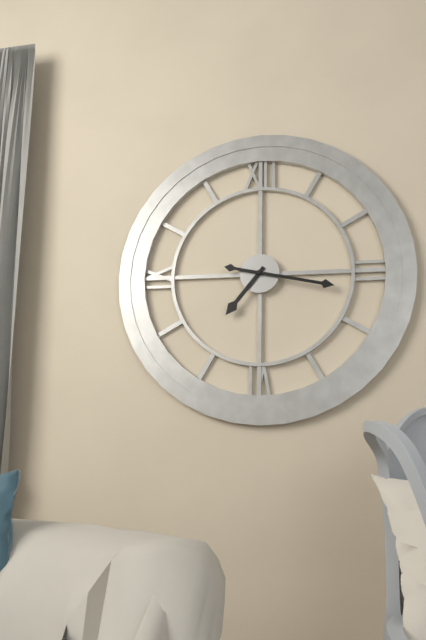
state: 7:17
